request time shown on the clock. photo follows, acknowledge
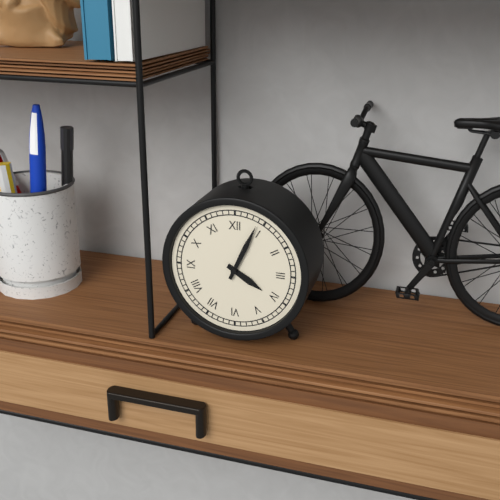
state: 4:04
